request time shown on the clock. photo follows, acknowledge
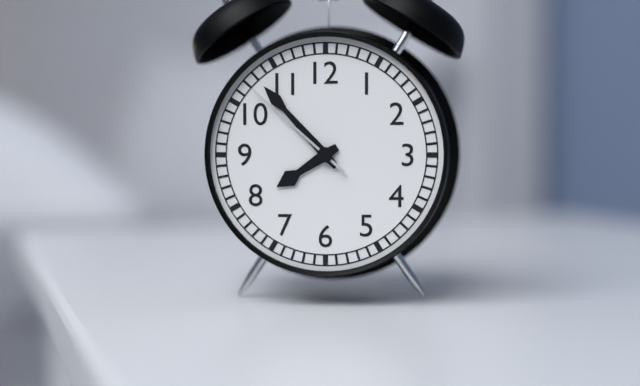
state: 7:53:52
